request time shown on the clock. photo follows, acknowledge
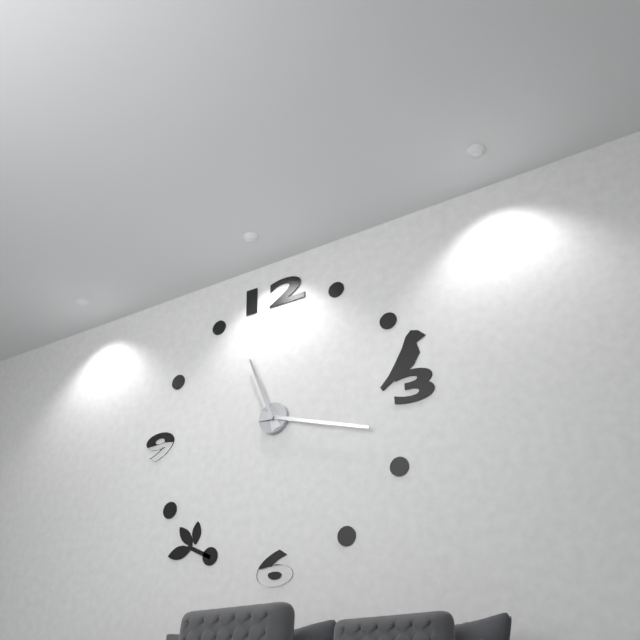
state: 11:18
